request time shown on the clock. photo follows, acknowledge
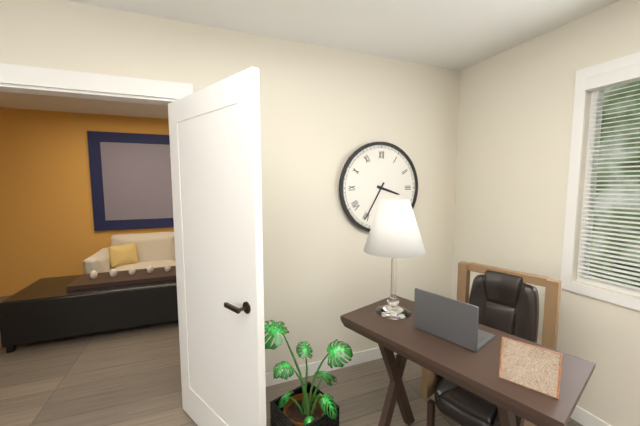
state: 3:35
